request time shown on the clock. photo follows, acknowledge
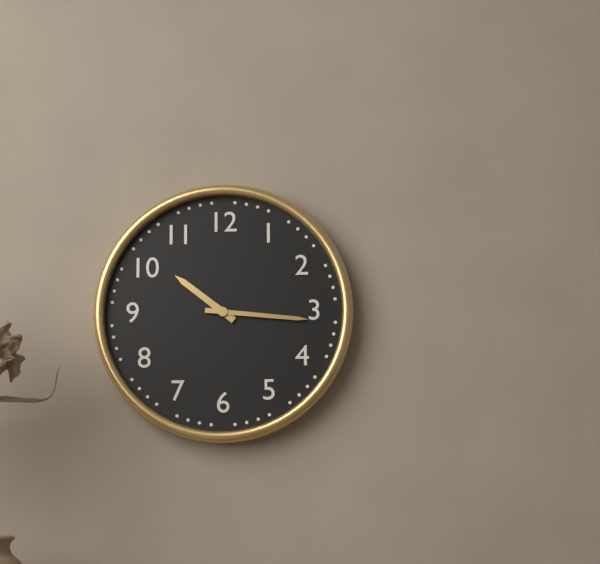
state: 10:16
